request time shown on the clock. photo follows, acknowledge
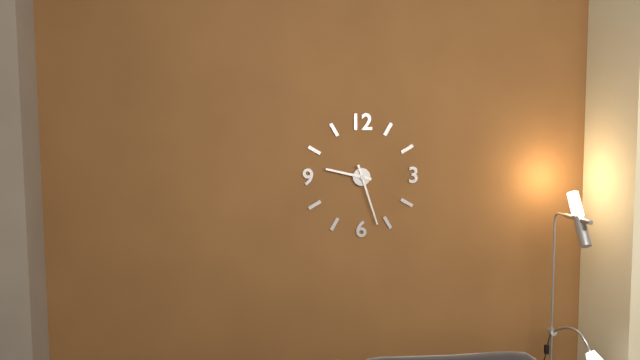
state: 9:27
